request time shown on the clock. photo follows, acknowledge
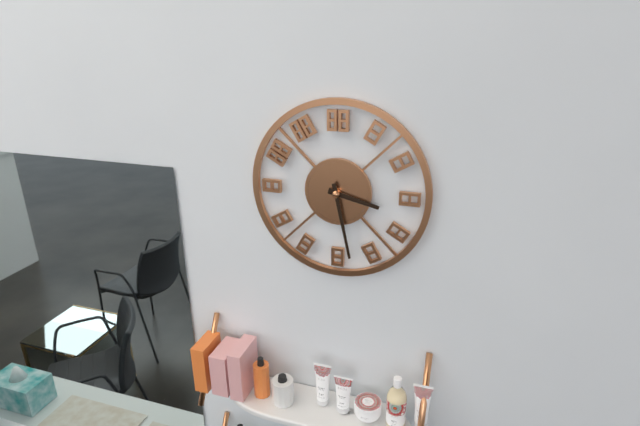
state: 3:28
